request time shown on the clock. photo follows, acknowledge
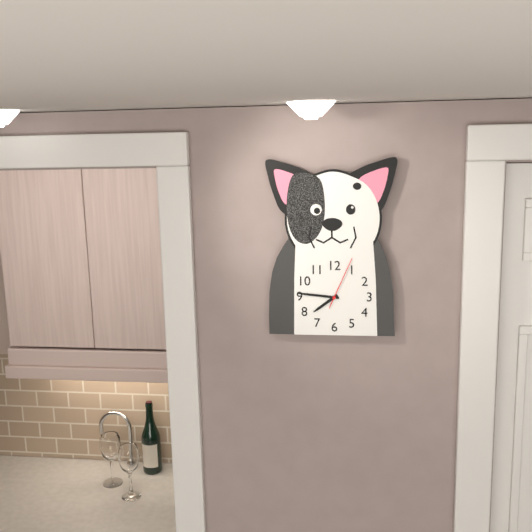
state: 7:46
